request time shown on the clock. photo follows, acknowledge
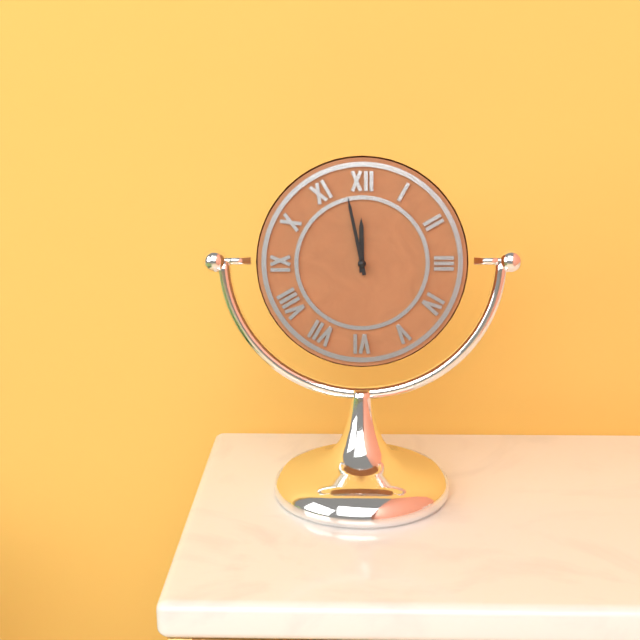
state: 11:58
